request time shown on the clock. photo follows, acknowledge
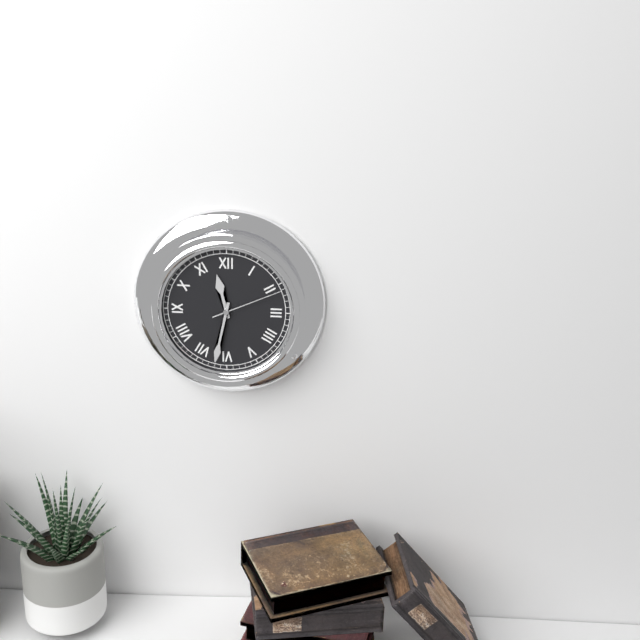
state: 11:32:11
